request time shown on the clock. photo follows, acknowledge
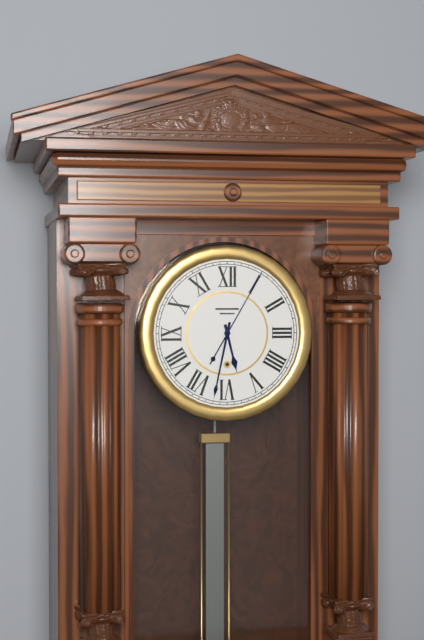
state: 5:32:05
